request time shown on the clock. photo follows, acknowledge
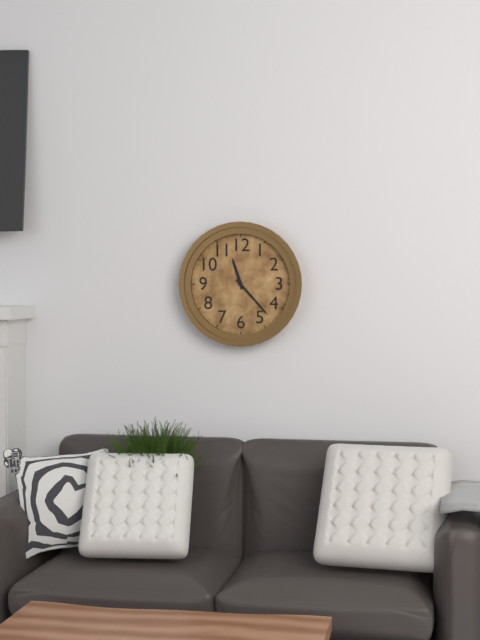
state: 11:23
